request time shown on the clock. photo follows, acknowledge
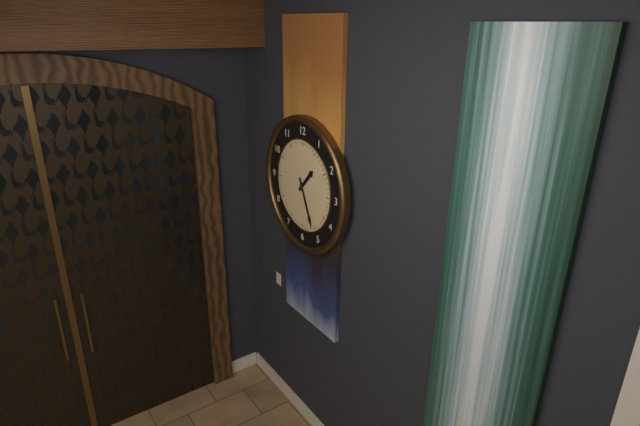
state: 1:26
